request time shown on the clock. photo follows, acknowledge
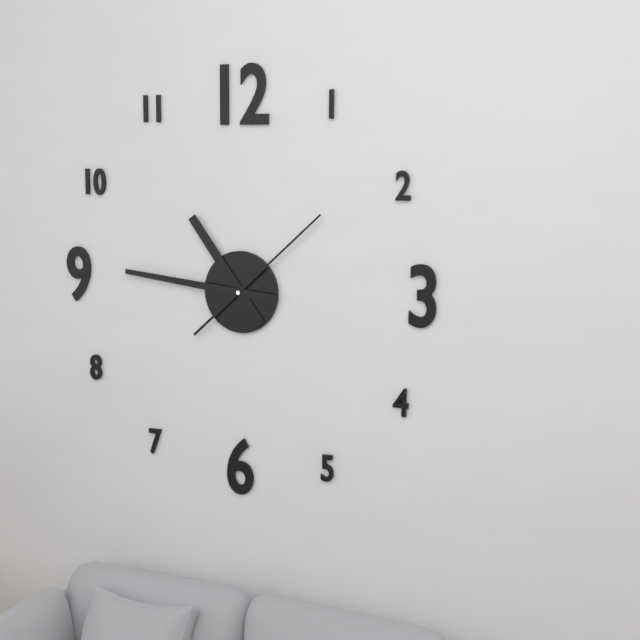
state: 10:46:08
